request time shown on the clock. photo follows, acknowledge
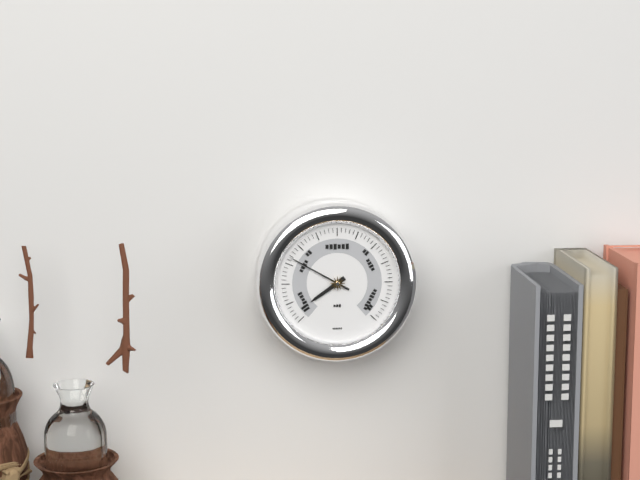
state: 7:50
